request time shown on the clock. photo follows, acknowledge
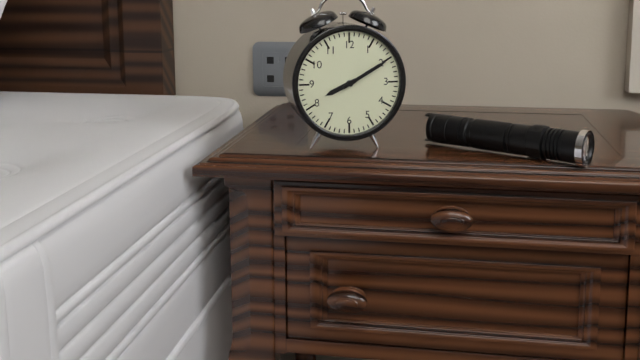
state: 8:10
